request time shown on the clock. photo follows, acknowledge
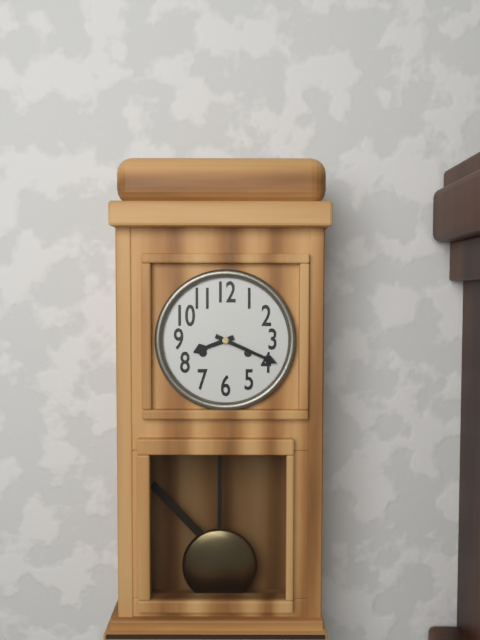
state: 8:19
